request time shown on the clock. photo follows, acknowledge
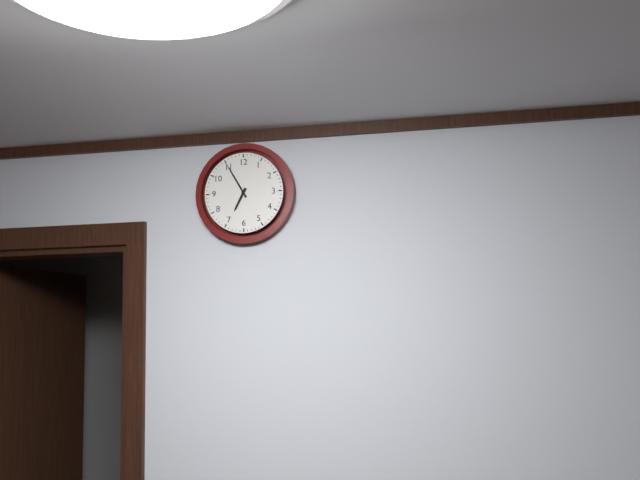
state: 6:55
